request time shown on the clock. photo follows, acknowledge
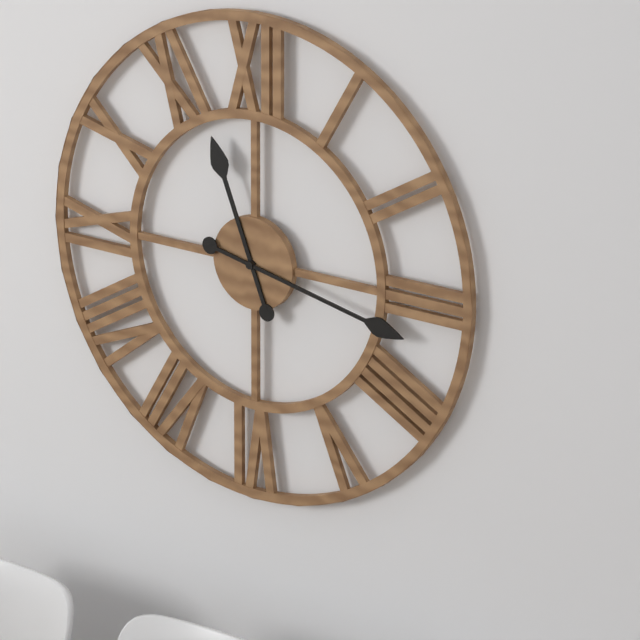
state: 11:17
